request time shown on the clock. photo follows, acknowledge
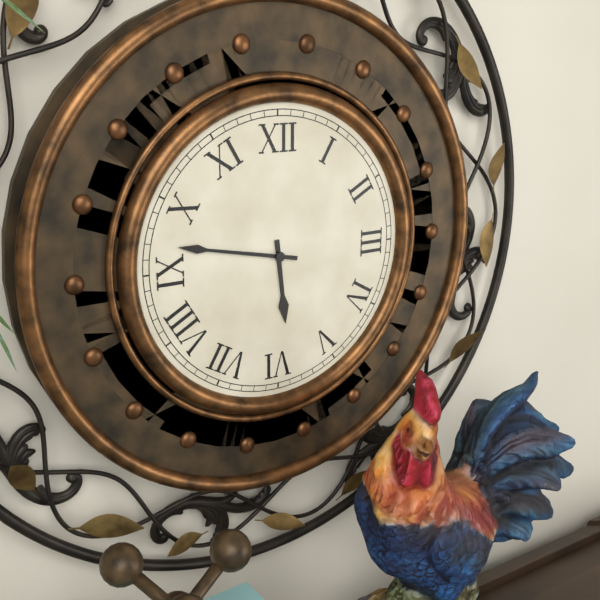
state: 5:47
